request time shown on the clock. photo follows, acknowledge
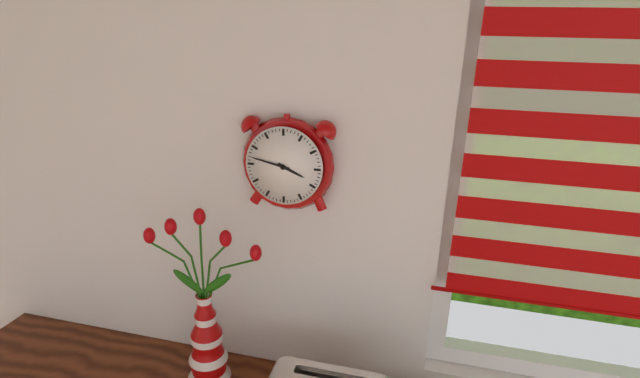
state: 3:47
